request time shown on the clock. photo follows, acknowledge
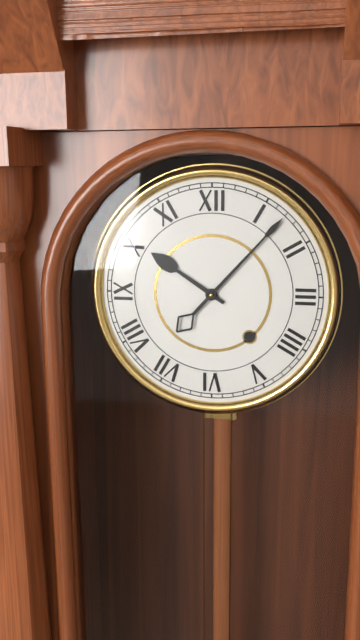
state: 10:07
